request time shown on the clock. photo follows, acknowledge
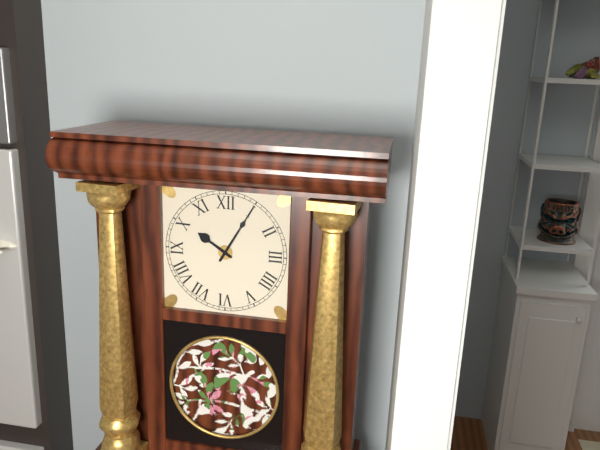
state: 10:05
